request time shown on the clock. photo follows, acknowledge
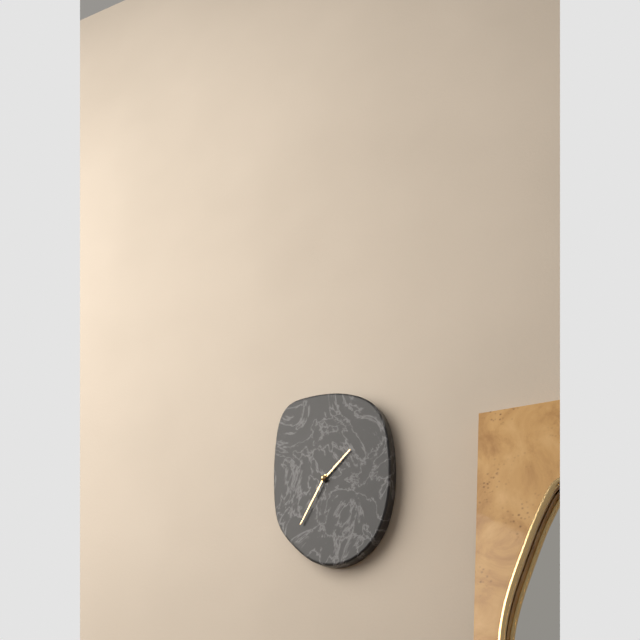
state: 1:35
